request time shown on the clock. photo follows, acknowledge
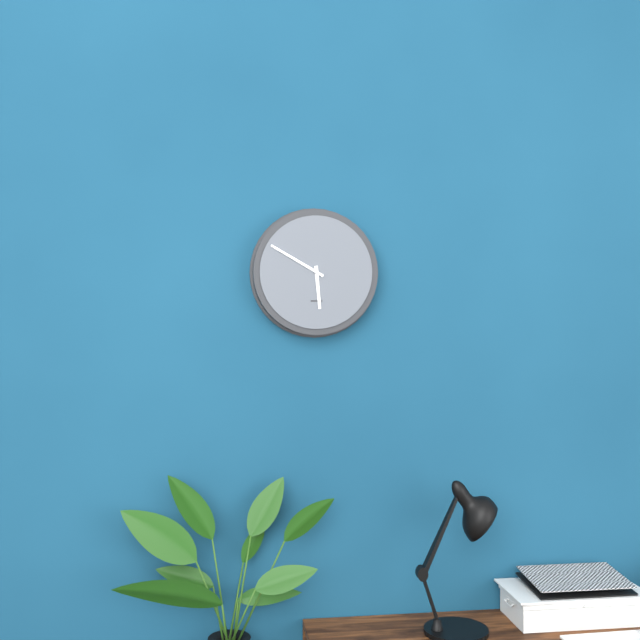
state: 5:50
